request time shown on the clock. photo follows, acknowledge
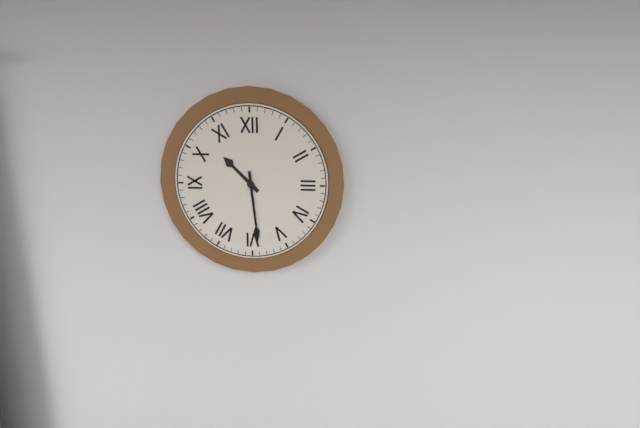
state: 10:29
